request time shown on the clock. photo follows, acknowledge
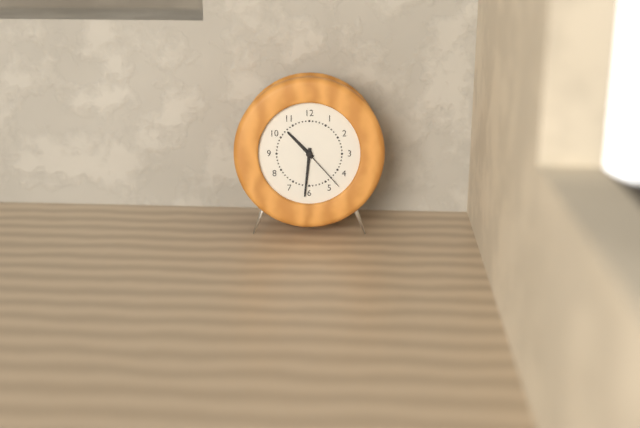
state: 10:31:23
